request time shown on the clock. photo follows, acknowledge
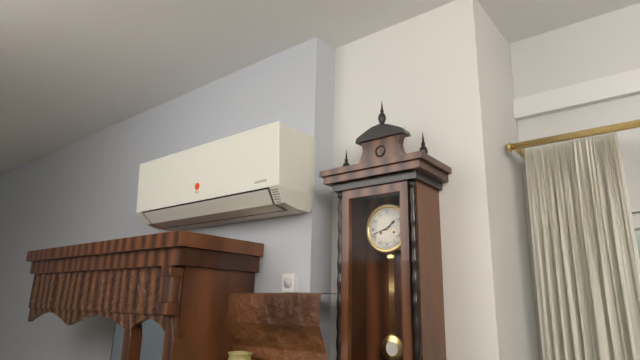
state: 1:42
